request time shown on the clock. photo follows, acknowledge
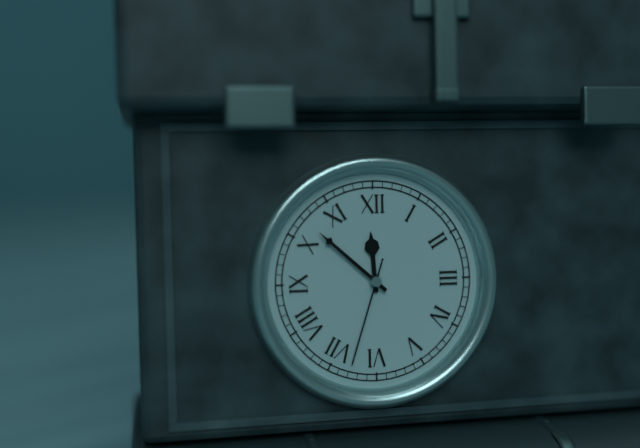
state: 11:52:33
